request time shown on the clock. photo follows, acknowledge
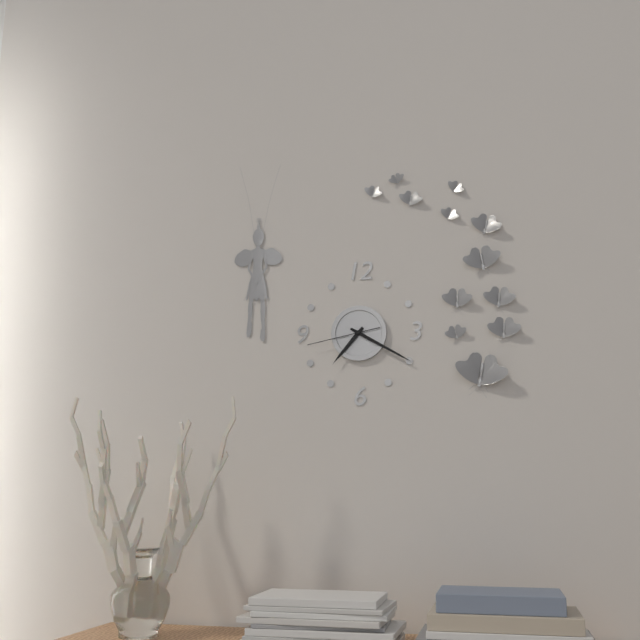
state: 7:20:43
